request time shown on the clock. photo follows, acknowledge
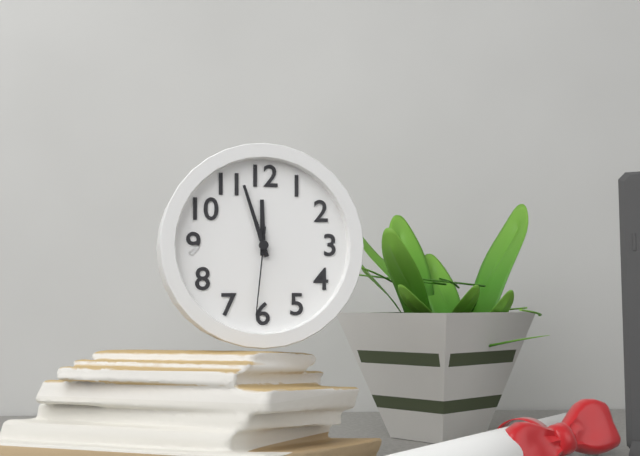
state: 11:57:31
